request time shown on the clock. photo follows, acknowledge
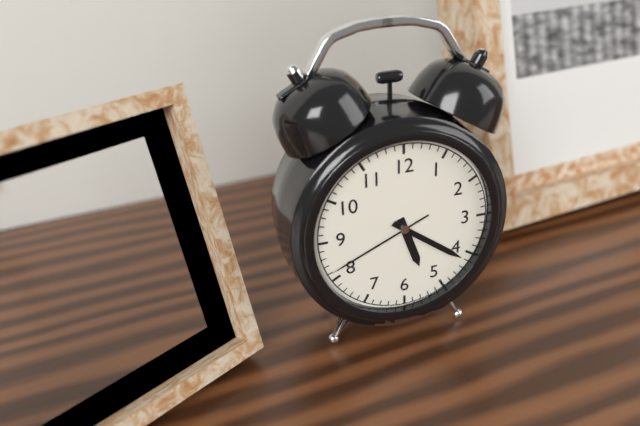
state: 5:21:41
